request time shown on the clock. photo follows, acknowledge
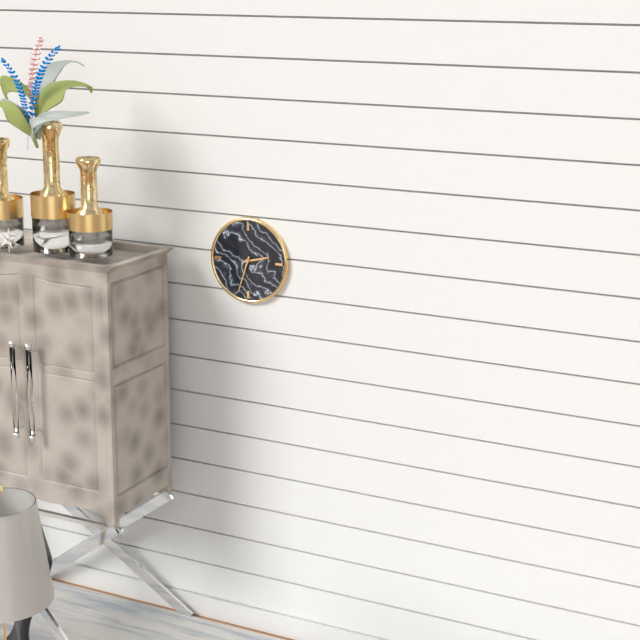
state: 2:33
